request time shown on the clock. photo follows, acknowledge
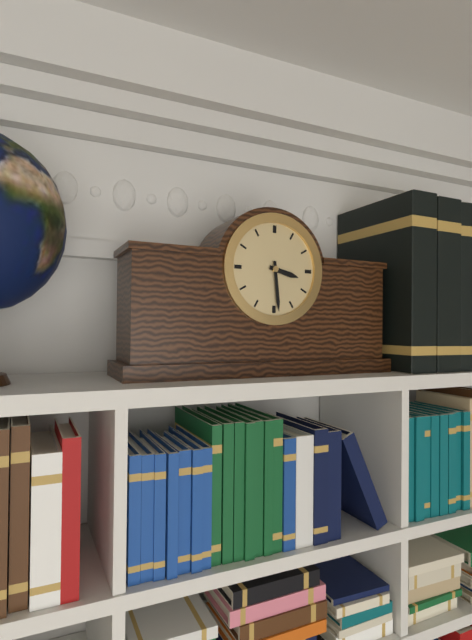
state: 3:29
